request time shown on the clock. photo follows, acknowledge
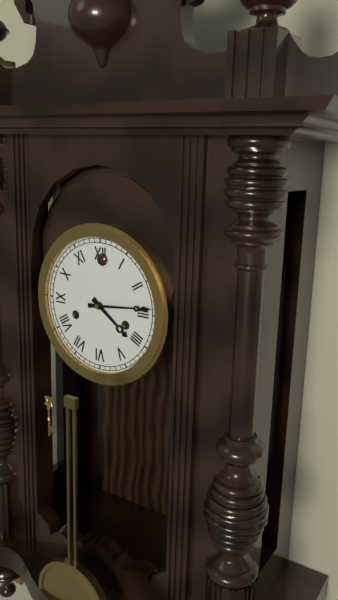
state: 4:14
